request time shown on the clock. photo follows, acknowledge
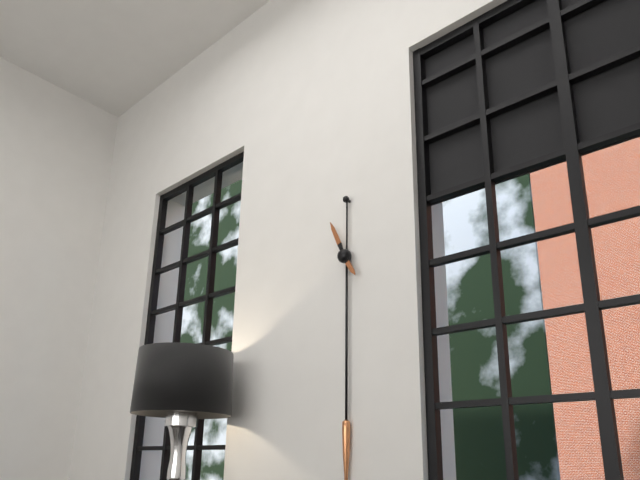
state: 4:56
